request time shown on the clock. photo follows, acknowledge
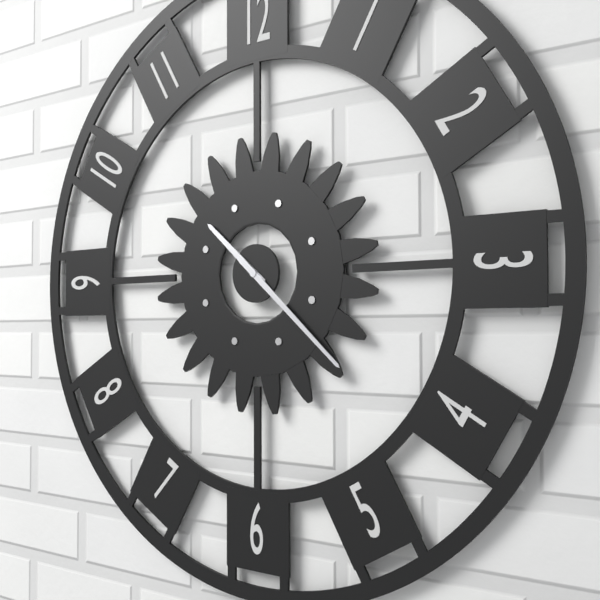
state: 10:22
